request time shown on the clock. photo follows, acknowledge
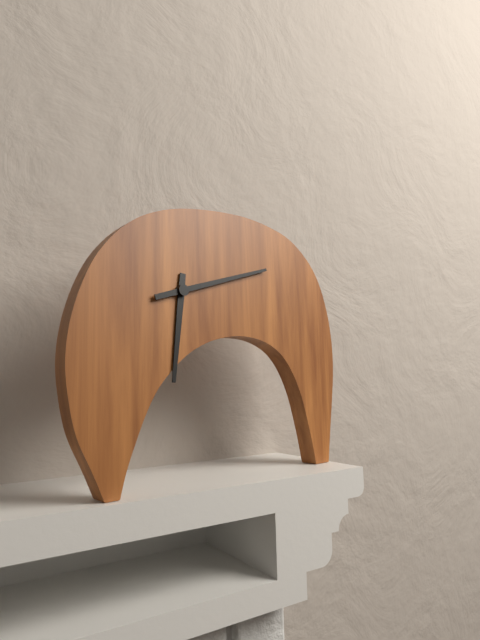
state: 6:12
